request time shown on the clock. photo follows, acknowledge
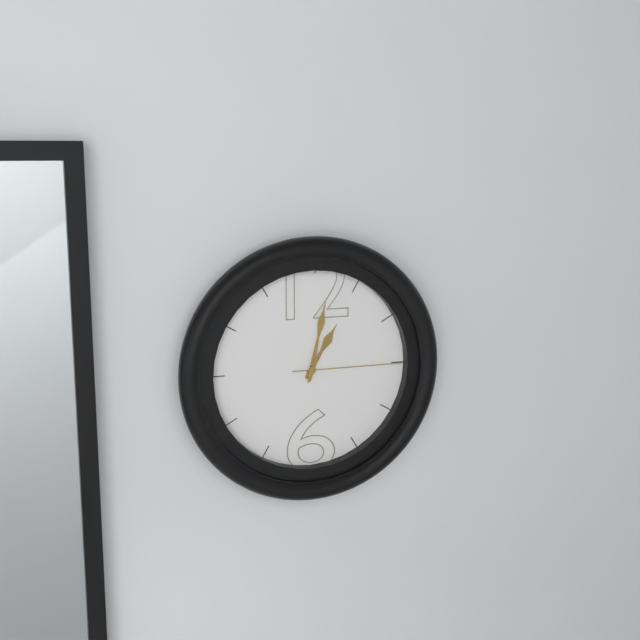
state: 1:02:15
